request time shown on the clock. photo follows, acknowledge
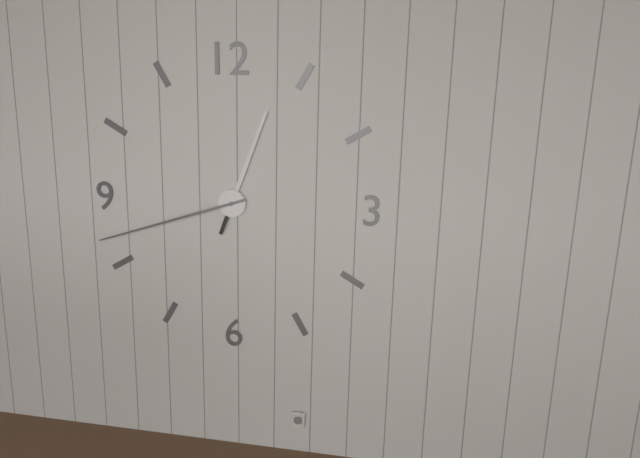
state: 12:42
